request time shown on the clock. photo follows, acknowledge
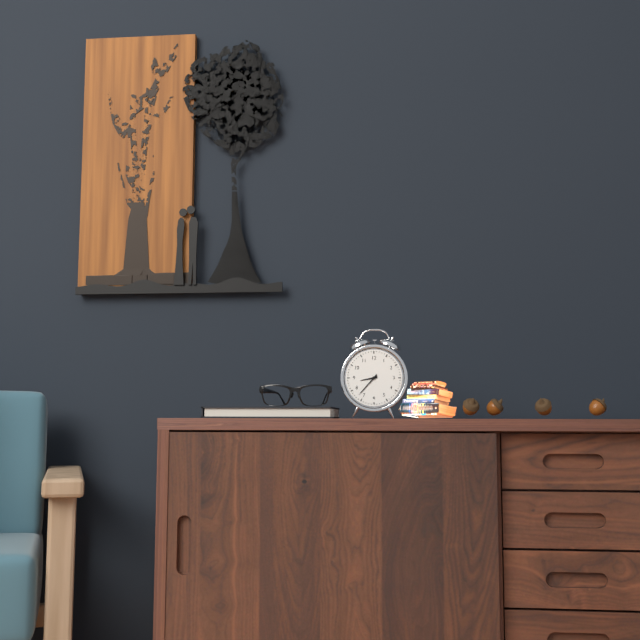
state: 8:37
